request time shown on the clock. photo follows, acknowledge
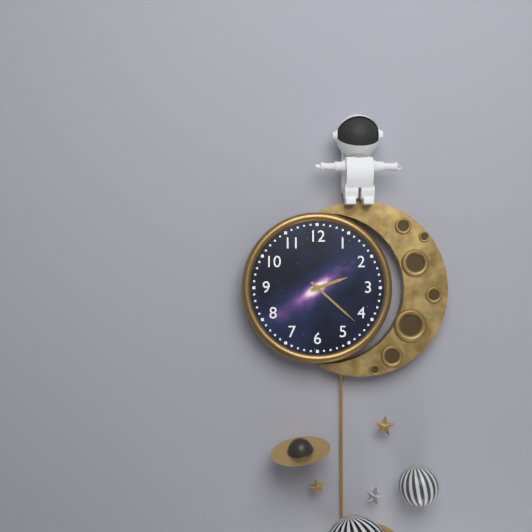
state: 2:22
